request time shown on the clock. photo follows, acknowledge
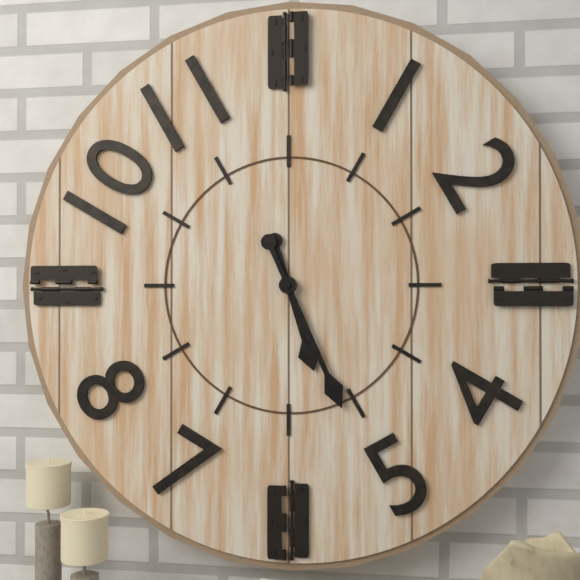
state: 5:26
